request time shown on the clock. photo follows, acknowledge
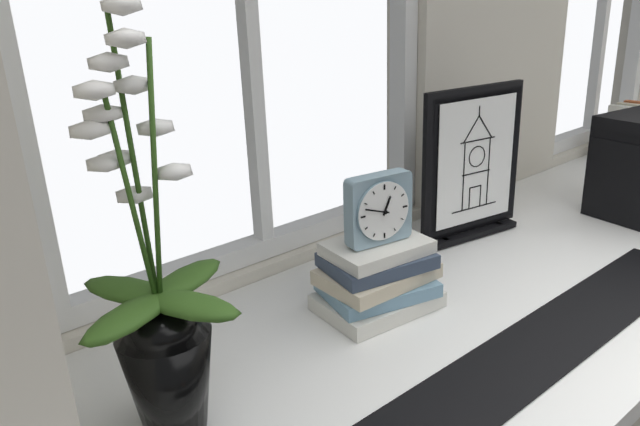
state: 12:48
